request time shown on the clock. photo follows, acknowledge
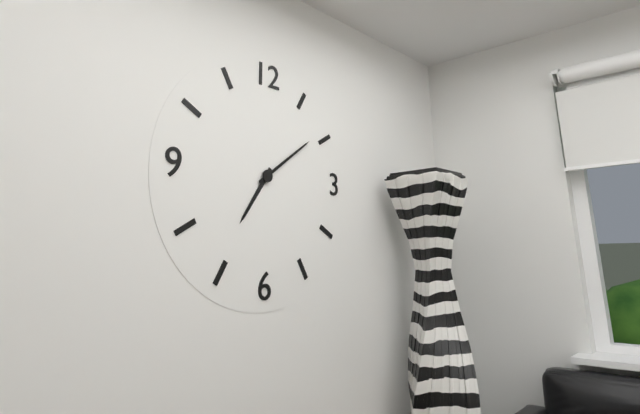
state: 7:09
